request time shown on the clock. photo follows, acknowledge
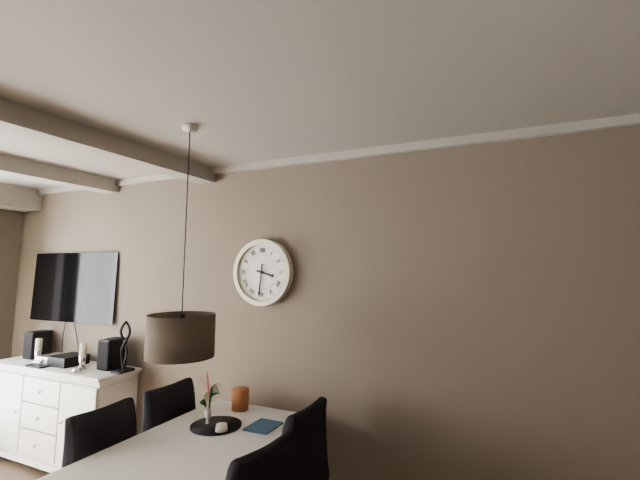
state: 3:31
